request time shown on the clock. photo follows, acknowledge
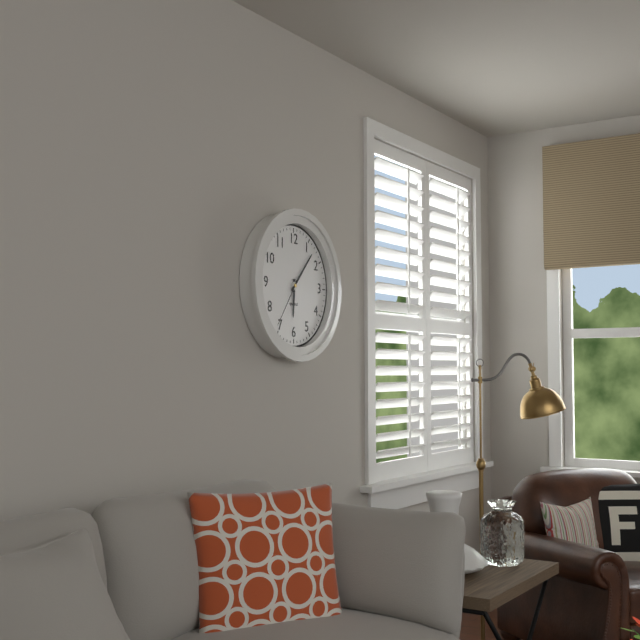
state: 6:07:36
